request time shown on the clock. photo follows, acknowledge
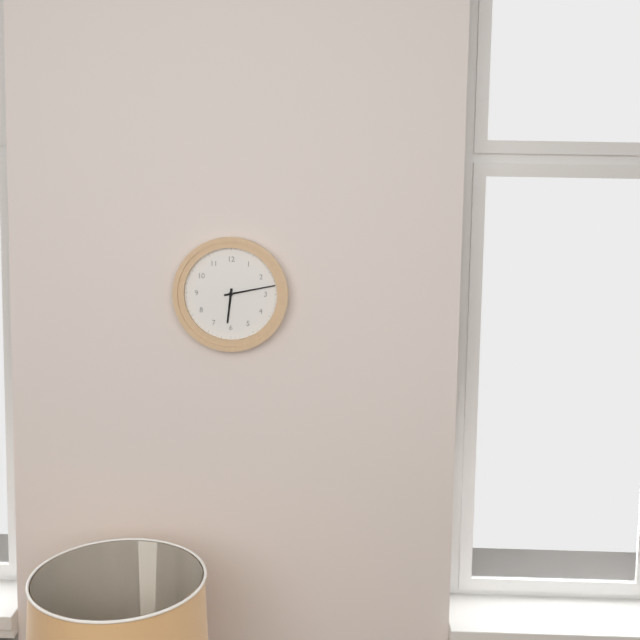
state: 6:13
